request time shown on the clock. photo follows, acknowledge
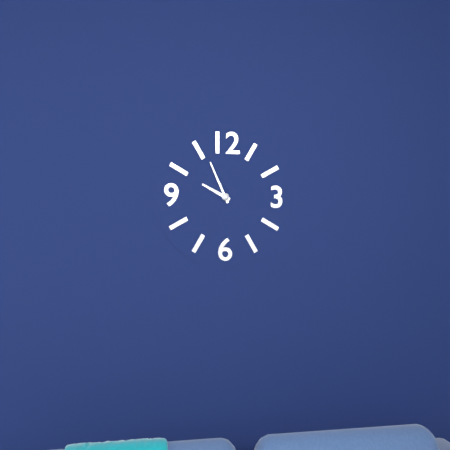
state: 9:56
